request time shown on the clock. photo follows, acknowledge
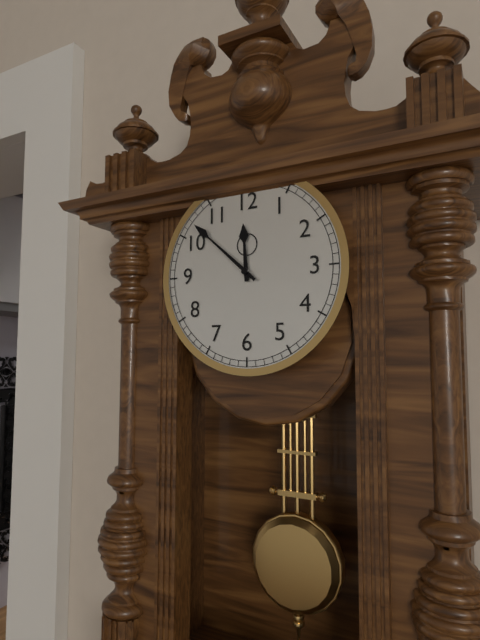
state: 11:52
